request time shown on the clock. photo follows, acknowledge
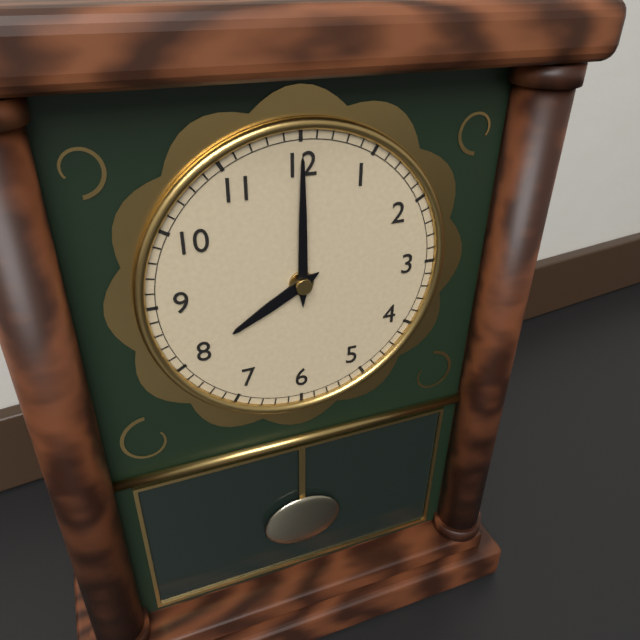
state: 8:00
